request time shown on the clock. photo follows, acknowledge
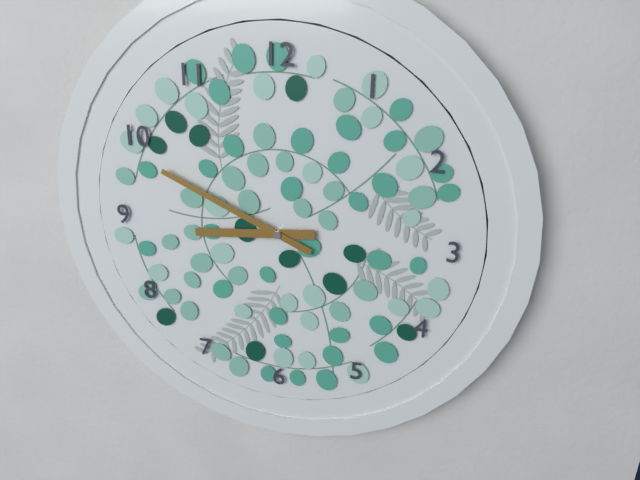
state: 8:49
